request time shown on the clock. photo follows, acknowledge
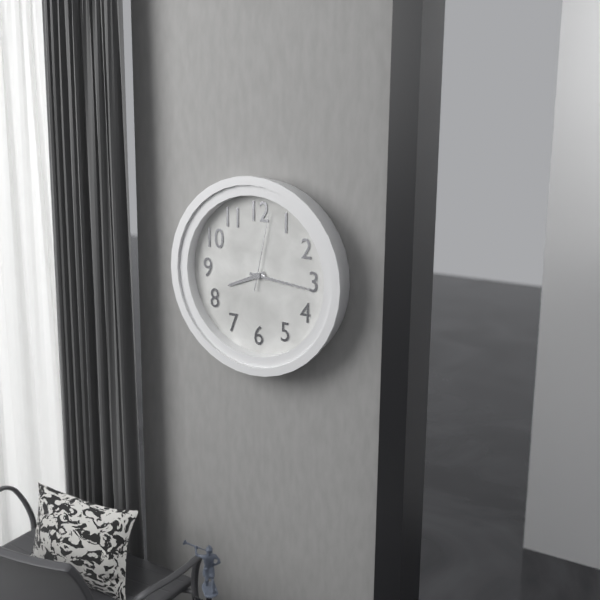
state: 8:16:02
